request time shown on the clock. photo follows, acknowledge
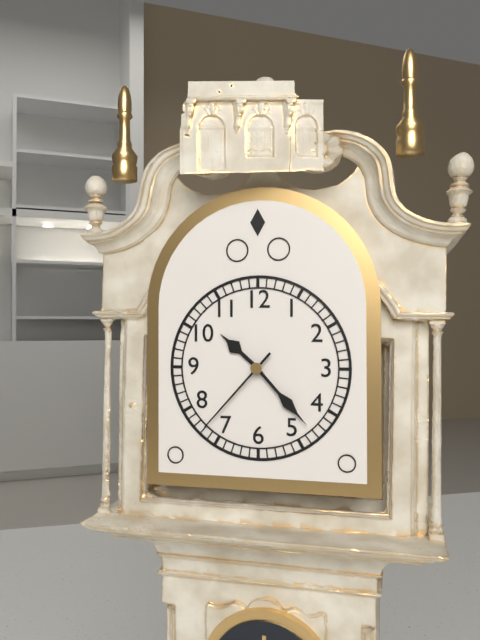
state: 10:23:37
